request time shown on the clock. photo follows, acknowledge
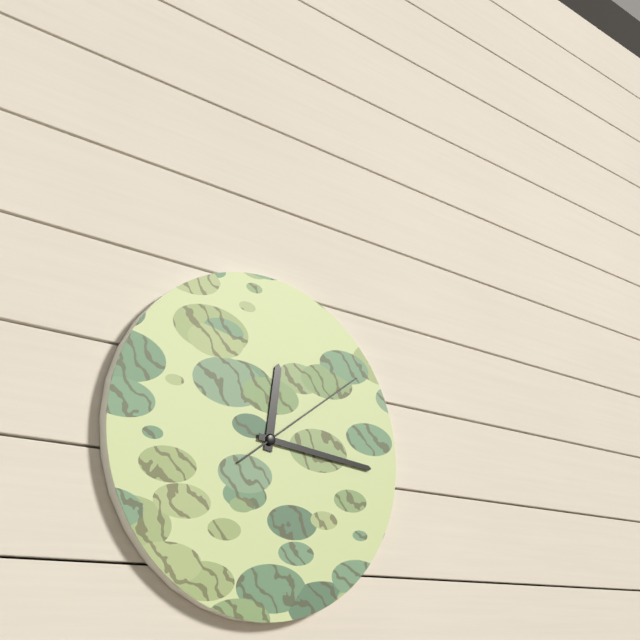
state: 12:16:09
